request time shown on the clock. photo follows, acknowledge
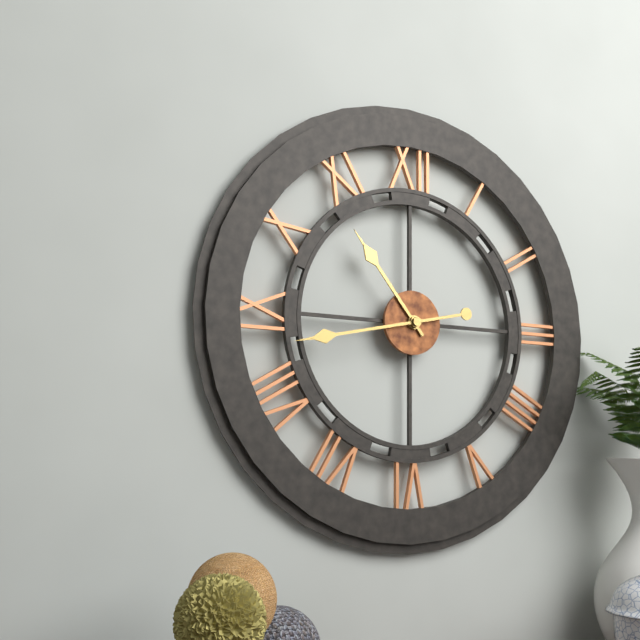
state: 10:43
